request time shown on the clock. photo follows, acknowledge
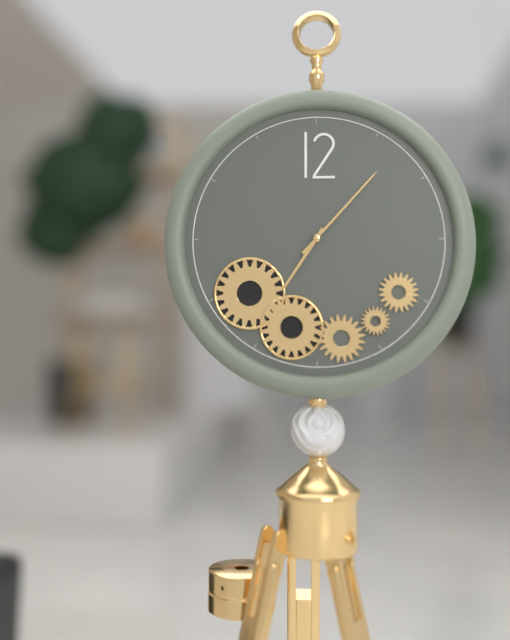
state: 7:07
